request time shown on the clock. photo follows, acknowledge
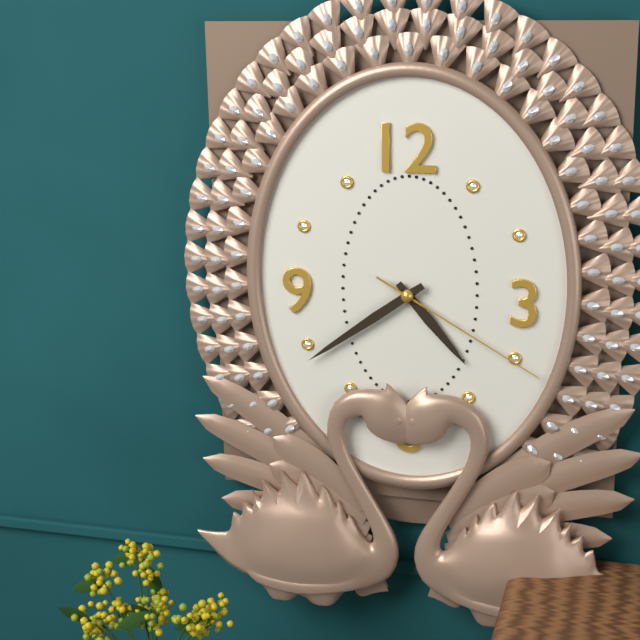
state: 4:39:20
